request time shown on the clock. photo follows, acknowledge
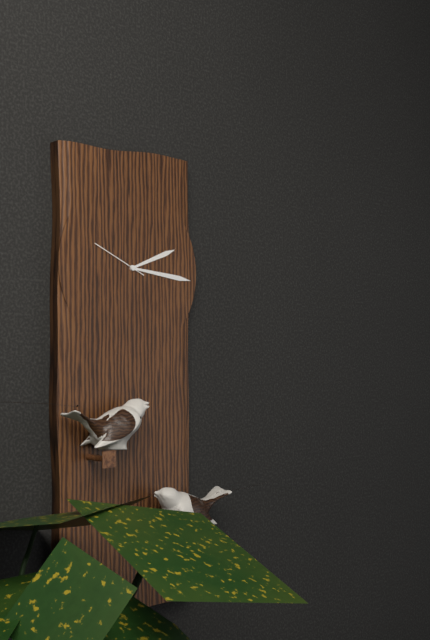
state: 2:16:49
